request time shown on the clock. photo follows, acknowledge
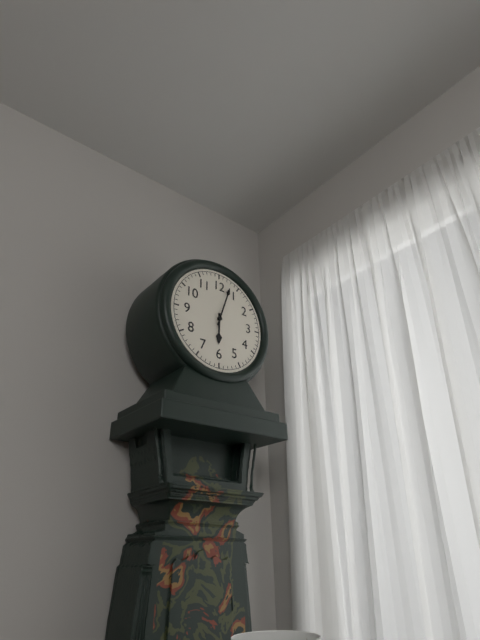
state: 6:03
